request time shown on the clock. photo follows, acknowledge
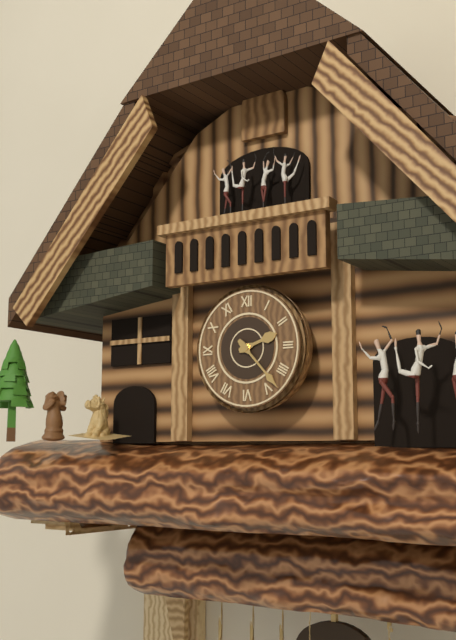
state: 2:23
